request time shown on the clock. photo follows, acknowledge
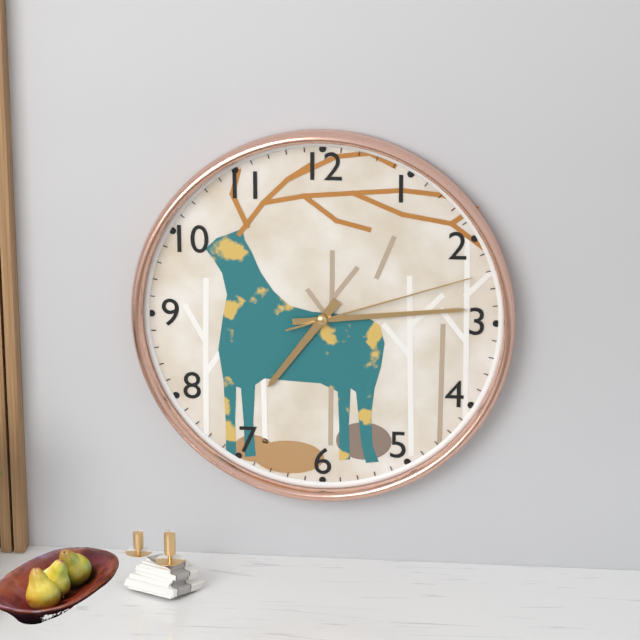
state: 7:14:12
